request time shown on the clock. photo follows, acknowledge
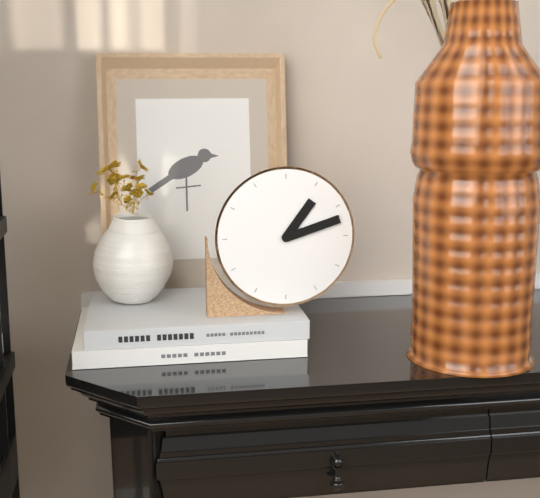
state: 1:12
